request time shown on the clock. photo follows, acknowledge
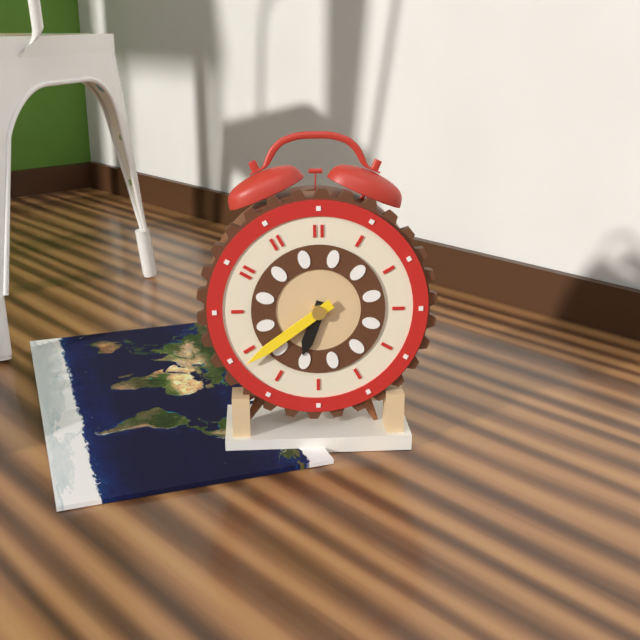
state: 6:39
